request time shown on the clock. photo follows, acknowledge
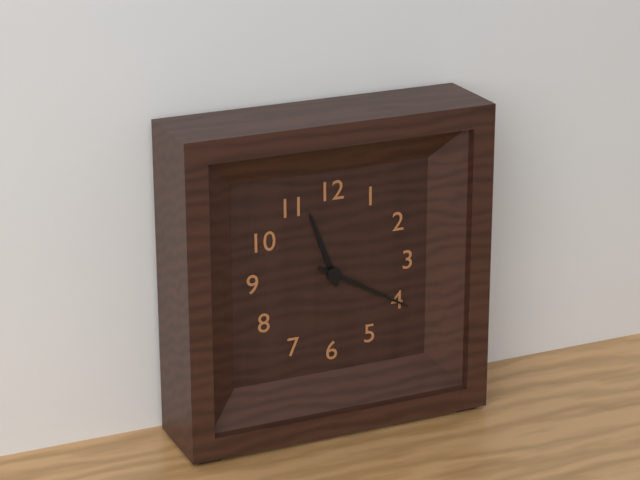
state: 11:20
